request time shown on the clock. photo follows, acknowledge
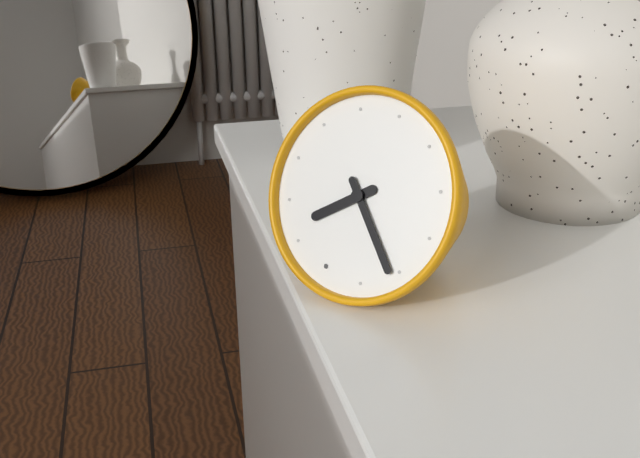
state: 7:21
